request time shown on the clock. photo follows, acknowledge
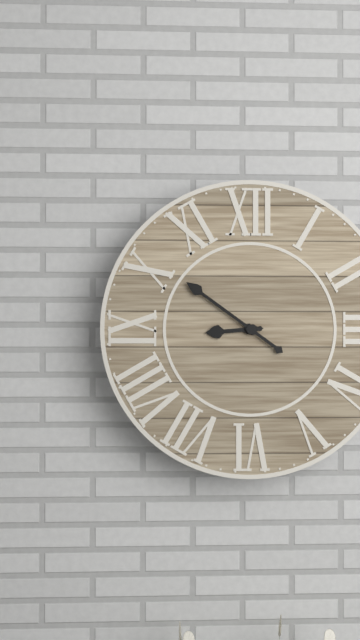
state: 8:51
